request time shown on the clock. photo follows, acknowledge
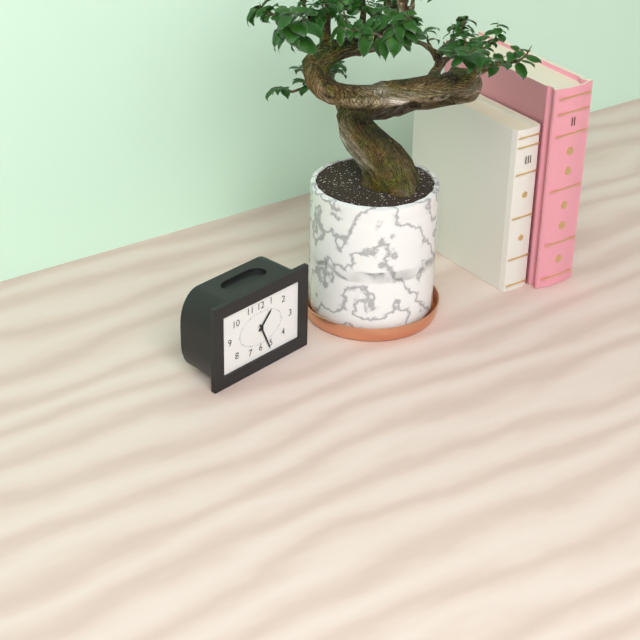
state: 1:26
